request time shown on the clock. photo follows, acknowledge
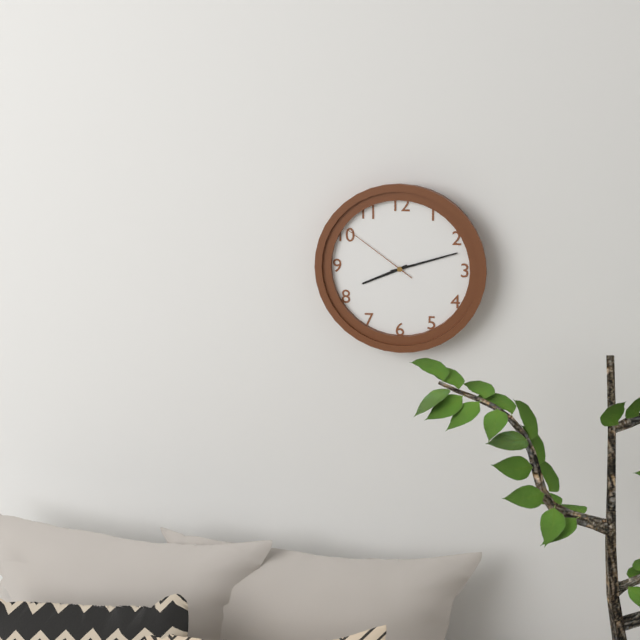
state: 8:12:51
